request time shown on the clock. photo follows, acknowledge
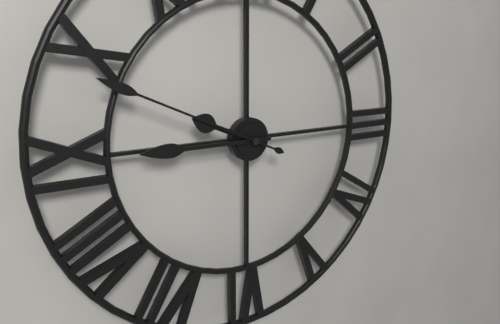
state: 9:45:49
